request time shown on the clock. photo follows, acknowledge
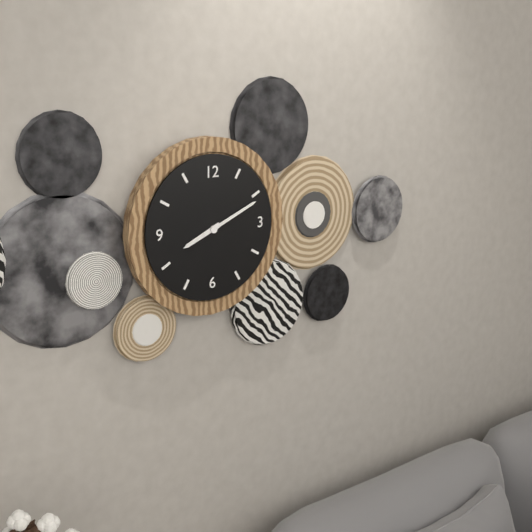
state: 8:11
